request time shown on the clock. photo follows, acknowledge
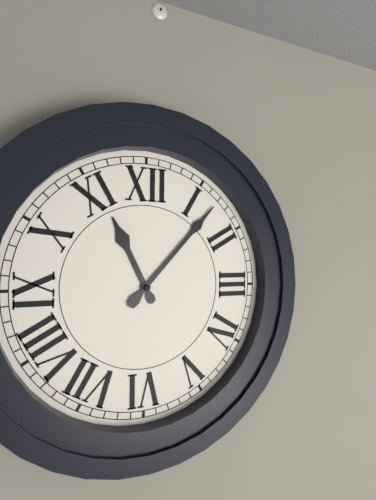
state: 11:07
